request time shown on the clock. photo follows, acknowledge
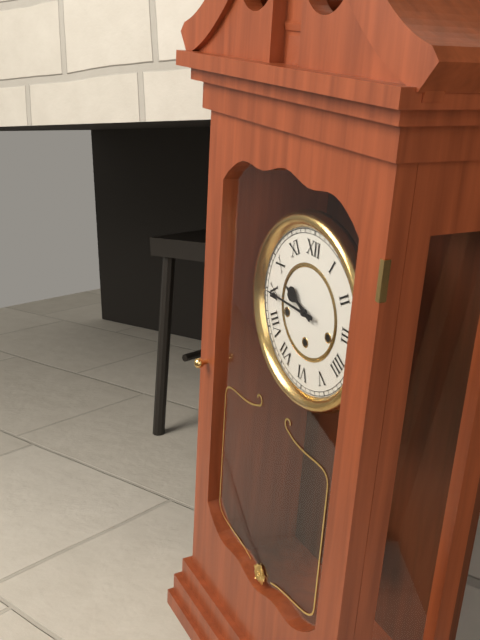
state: 9:45
